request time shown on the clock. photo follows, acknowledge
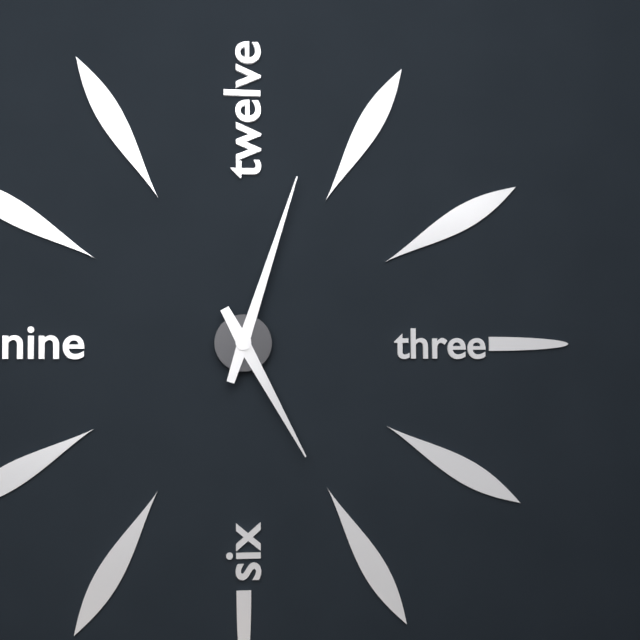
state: 5:03
